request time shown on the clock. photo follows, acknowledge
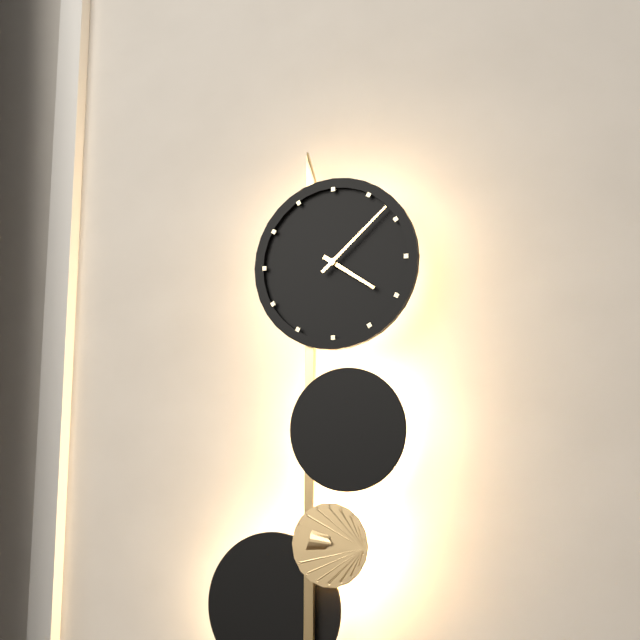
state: 4:08
